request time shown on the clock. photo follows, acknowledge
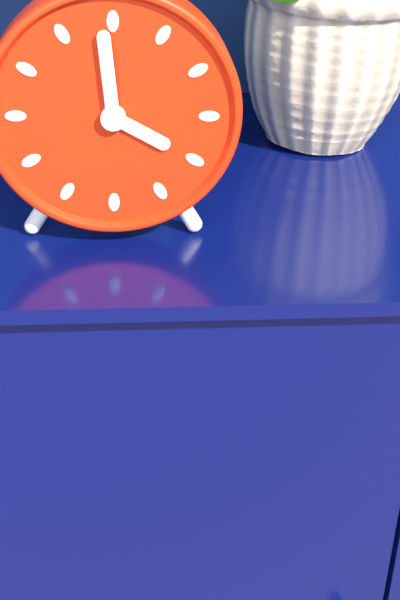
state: 3:59
